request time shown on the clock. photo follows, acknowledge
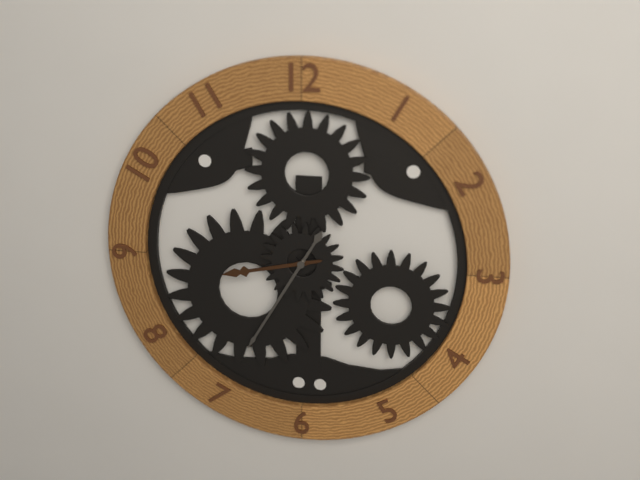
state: 8:35
